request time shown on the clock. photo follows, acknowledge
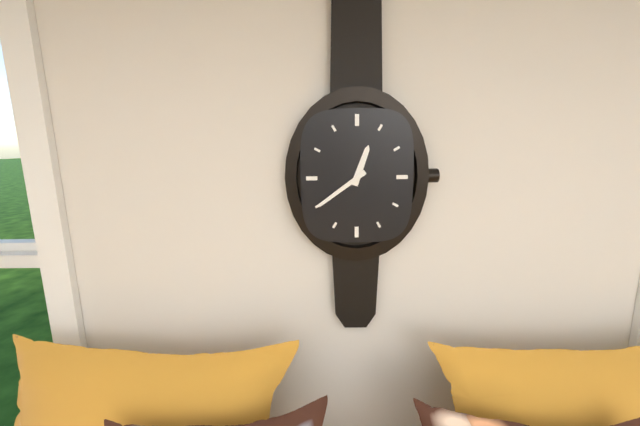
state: 12:39
